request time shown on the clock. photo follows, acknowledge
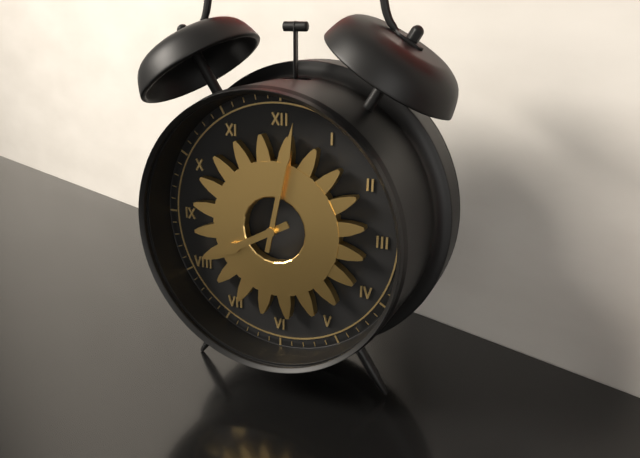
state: 8:02
